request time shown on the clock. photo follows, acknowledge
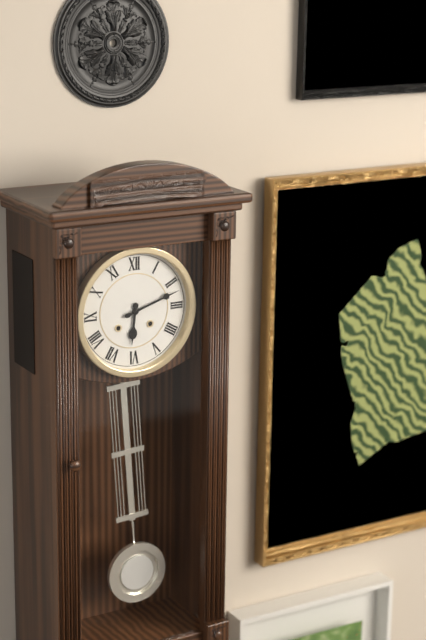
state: 6:12
